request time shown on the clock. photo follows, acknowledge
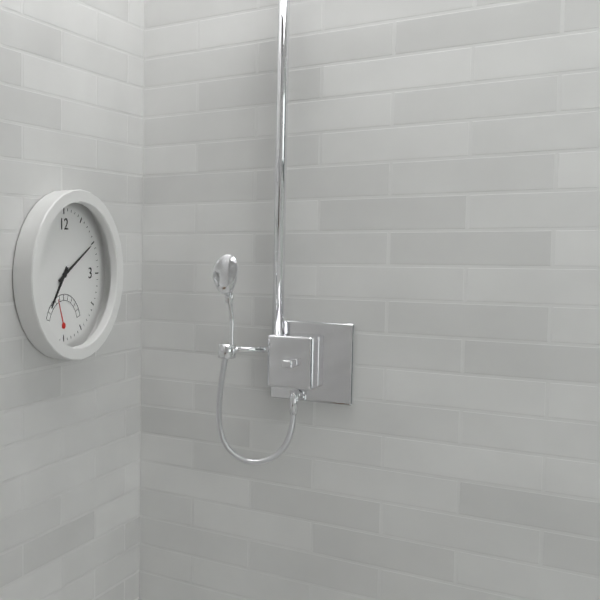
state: 7:10
